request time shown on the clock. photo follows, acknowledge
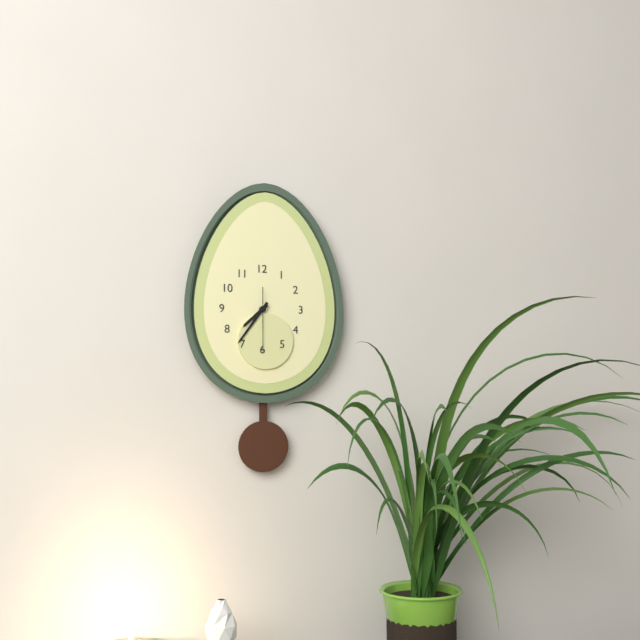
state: 7:36:30
